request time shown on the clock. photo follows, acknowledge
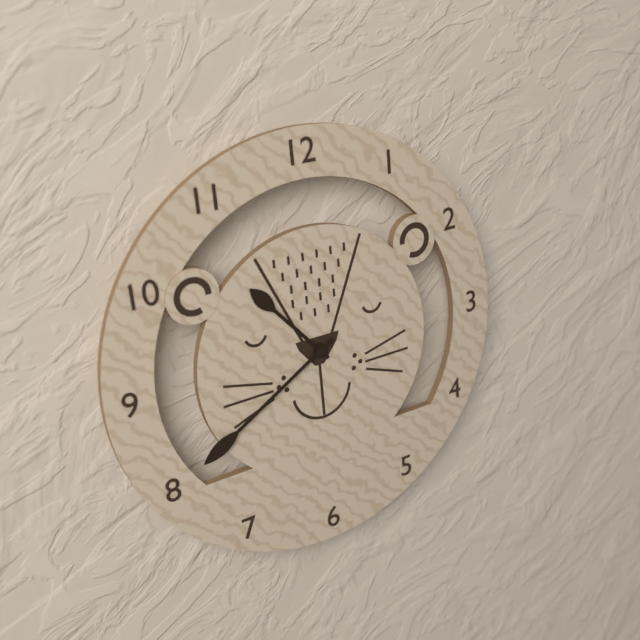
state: 10:40
